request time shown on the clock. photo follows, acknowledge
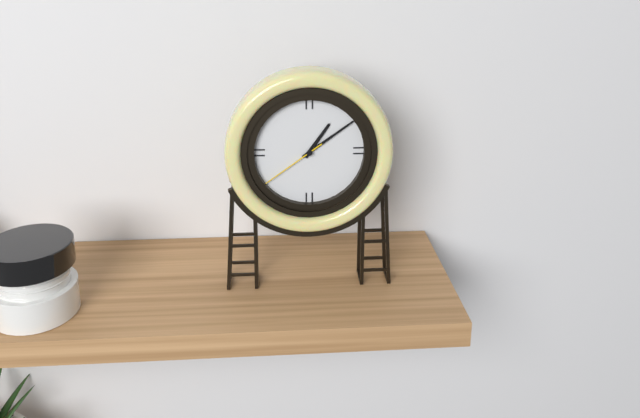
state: 1:09:39
